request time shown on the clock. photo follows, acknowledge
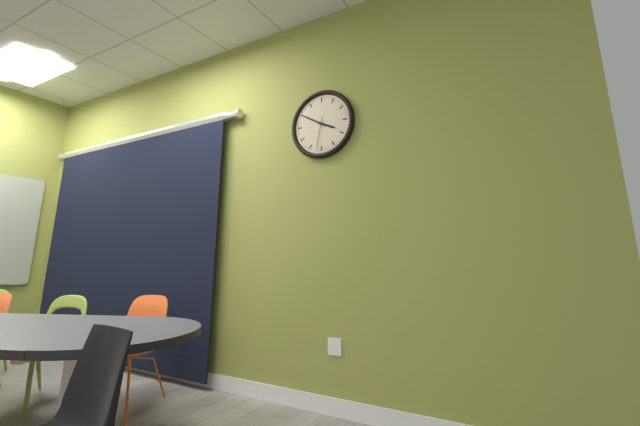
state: 3:50
